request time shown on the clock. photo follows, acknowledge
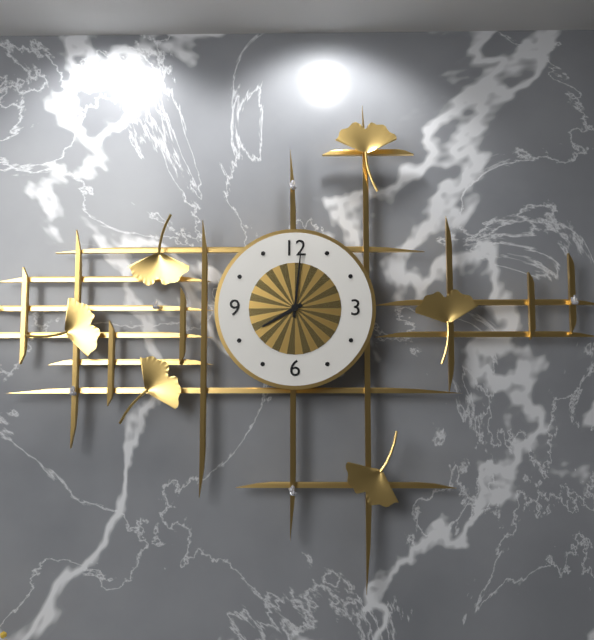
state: 8:01
